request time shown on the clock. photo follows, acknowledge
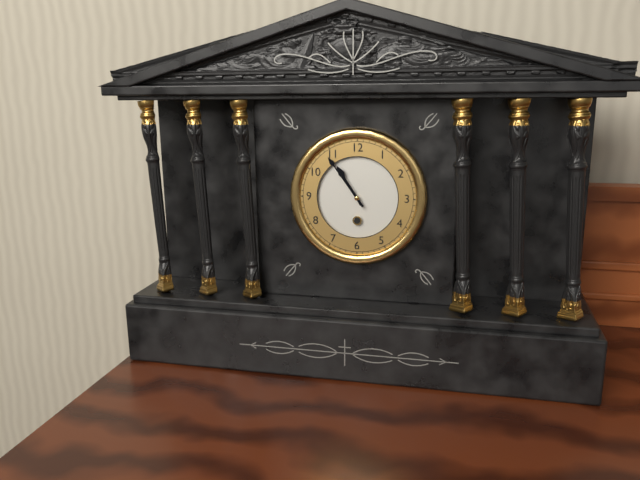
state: 10:54
